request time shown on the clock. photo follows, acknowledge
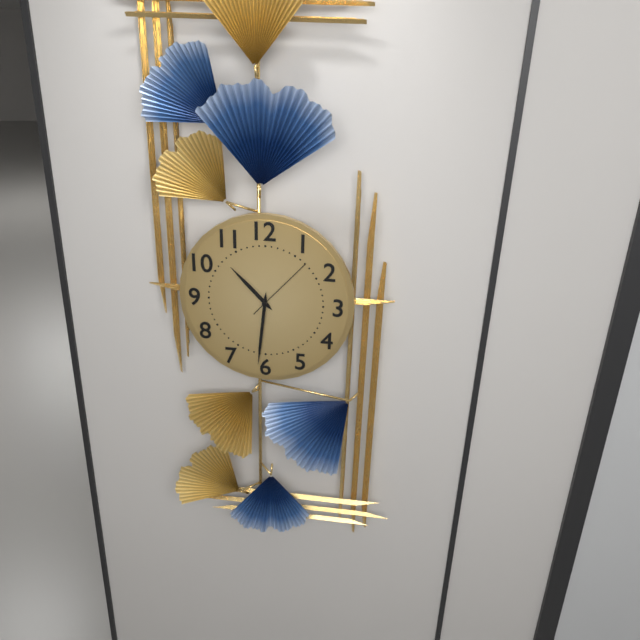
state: 10:31:07
